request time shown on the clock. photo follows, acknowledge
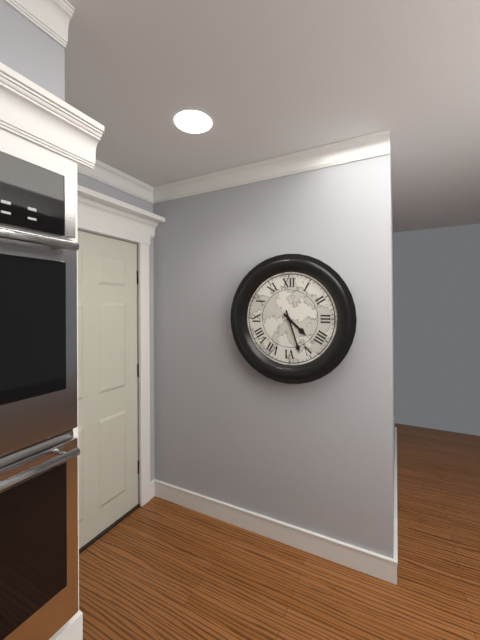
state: 4:27
